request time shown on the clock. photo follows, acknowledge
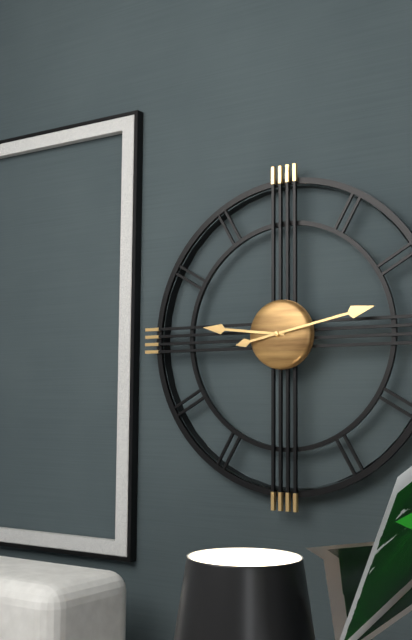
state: 9:13
